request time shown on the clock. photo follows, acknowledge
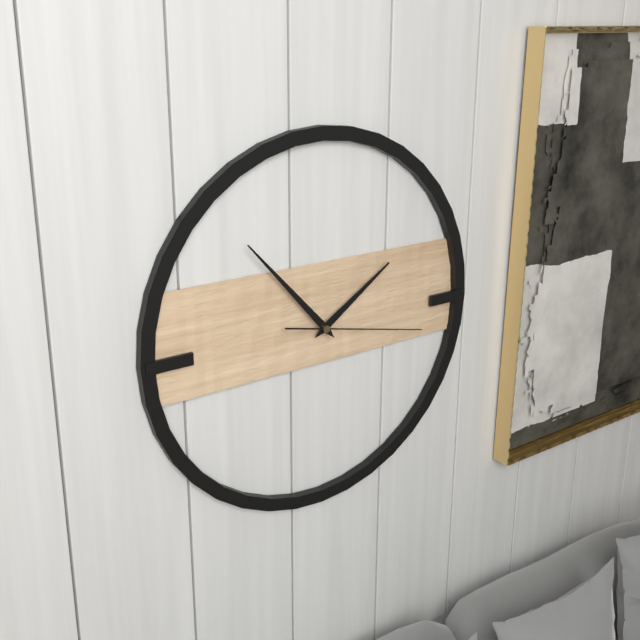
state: 1:53:17
